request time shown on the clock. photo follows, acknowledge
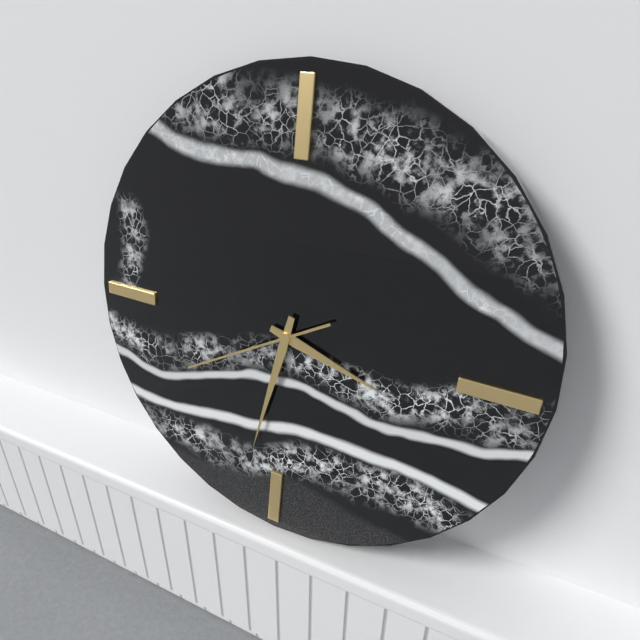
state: 3:32:40
